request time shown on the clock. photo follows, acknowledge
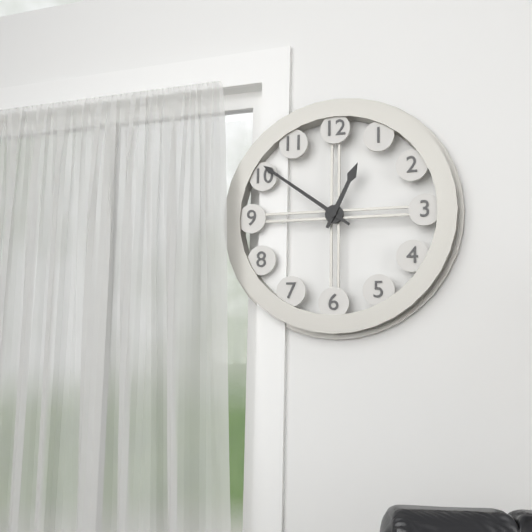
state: 12:51
